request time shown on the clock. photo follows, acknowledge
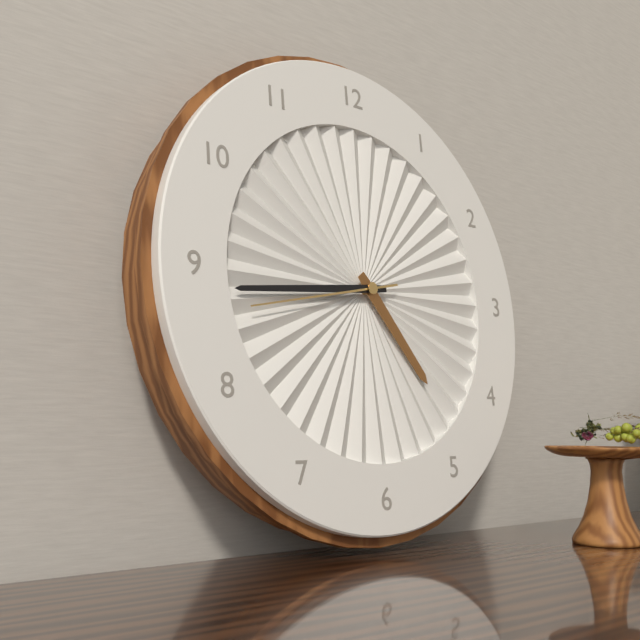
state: 4:44:43
